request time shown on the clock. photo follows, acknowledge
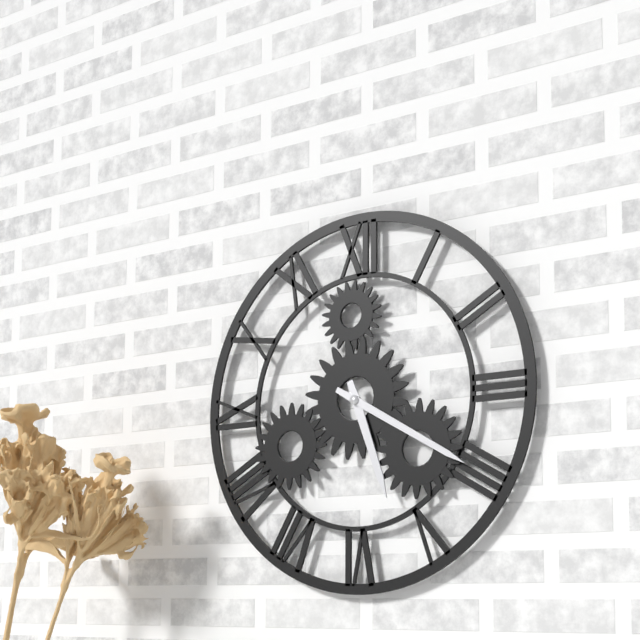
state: 5:20
